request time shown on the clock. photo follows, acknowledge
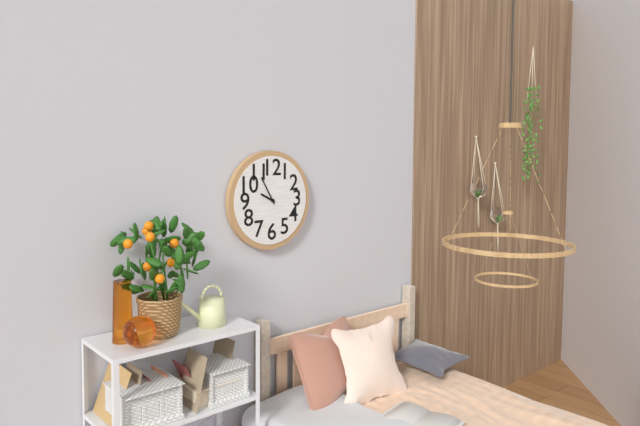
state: 9:55
